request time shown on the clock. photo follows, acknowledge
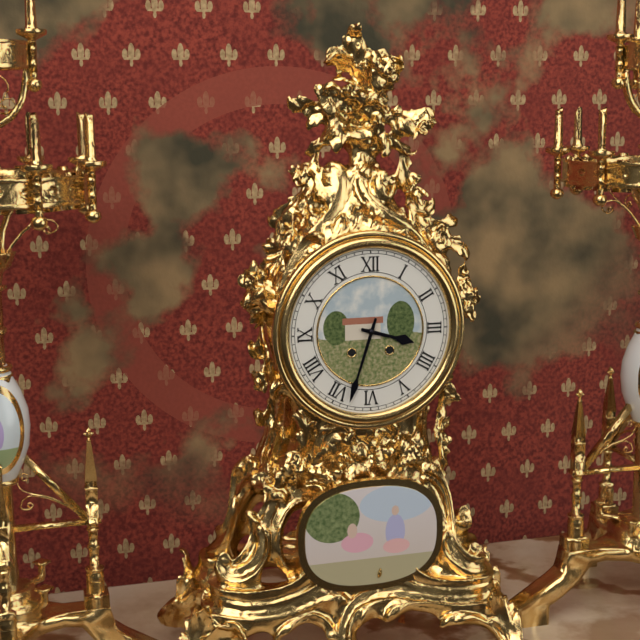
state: 3:33
